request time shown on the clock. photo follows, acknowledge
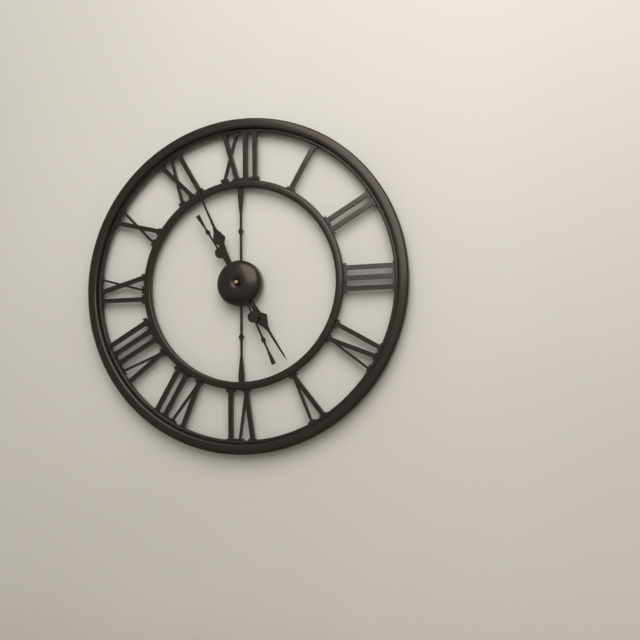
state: 4:56
